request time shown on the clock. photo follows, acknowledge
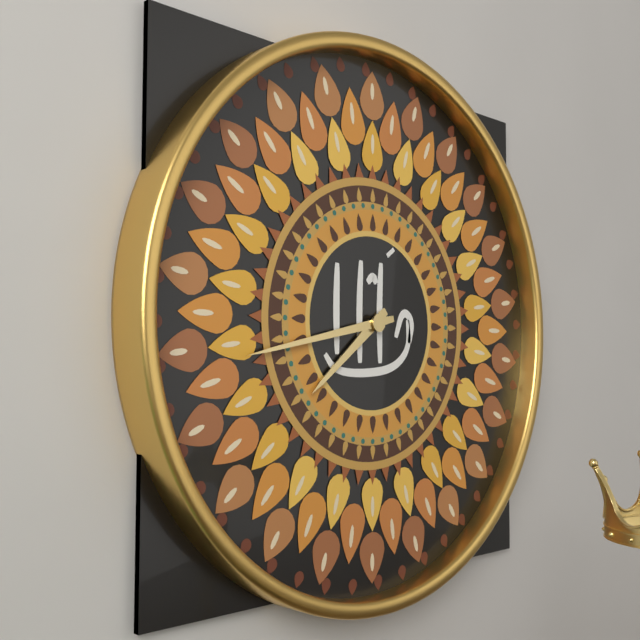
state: 7:43
